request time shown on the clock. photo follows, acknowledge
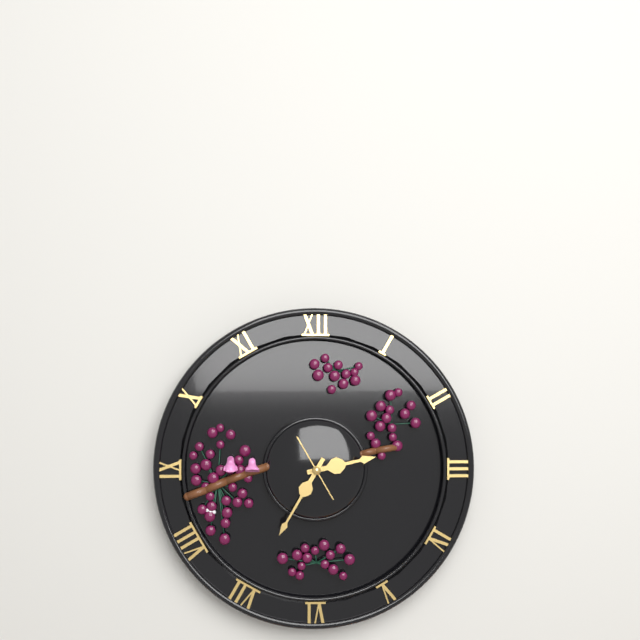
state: 2:35
